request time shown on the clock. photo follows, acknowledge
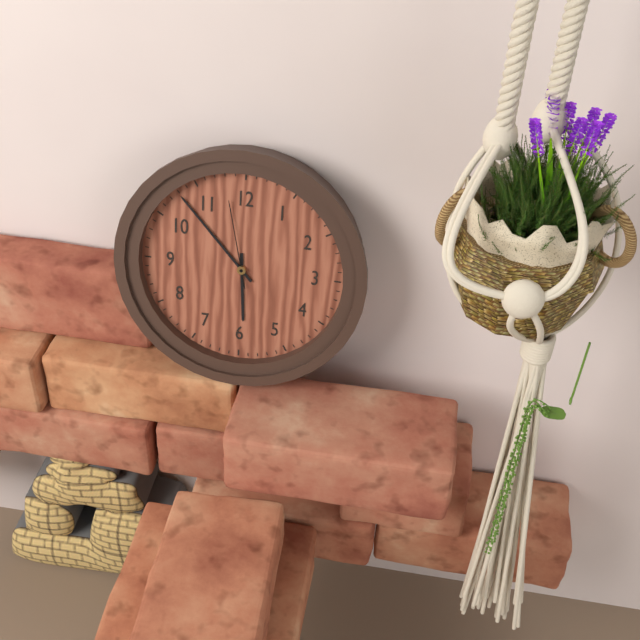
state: 5:53:58
